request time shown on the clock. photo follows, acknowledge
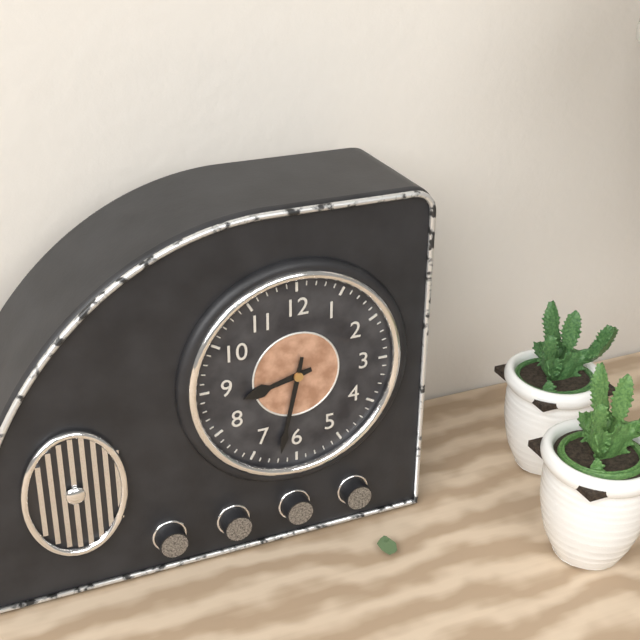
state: 8:32
